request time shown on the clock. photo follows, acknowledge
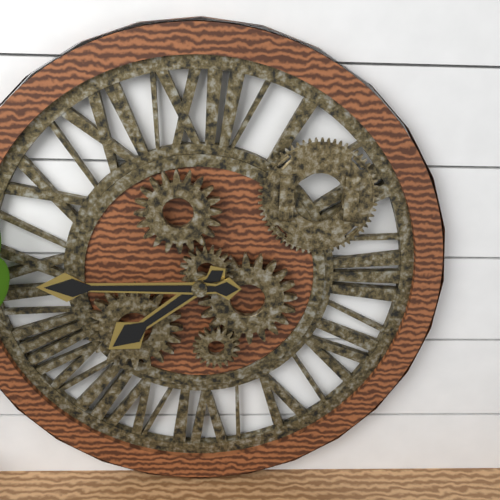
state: 7:45
